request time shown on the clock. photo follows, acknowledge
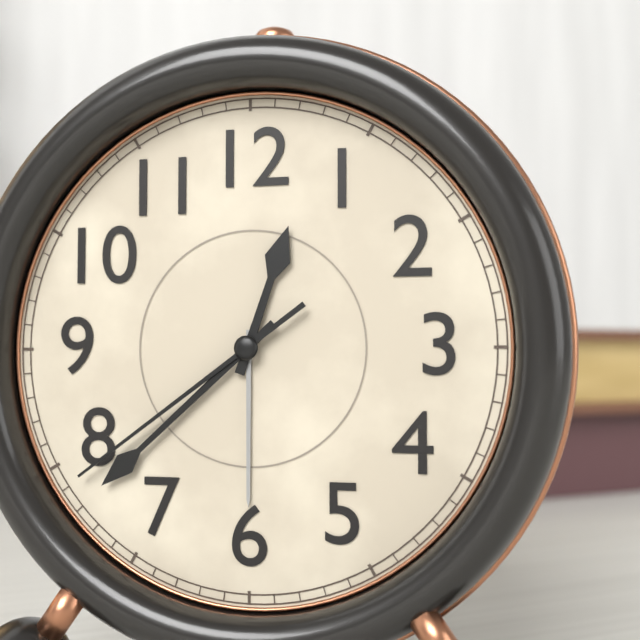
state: 12:38:39
